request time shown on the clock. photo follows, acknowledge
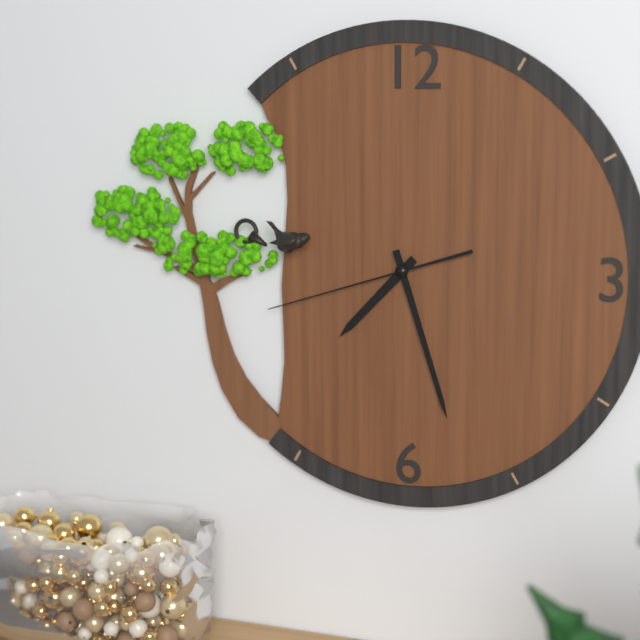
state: 7:27:42
